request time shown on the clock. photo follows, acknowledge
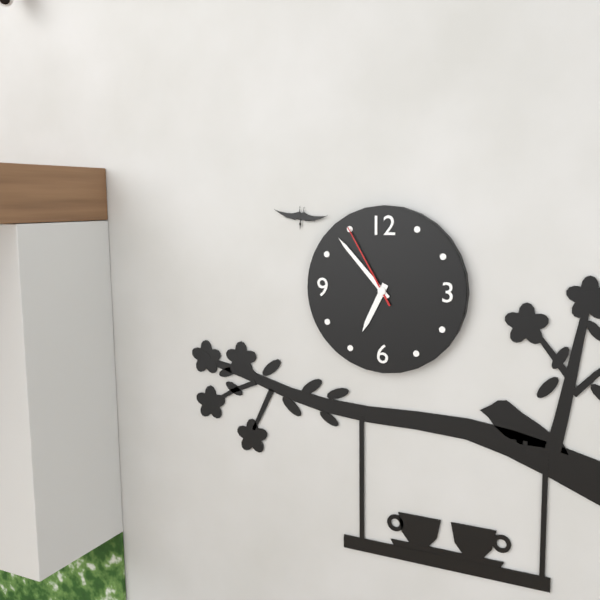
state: 6:53:55
